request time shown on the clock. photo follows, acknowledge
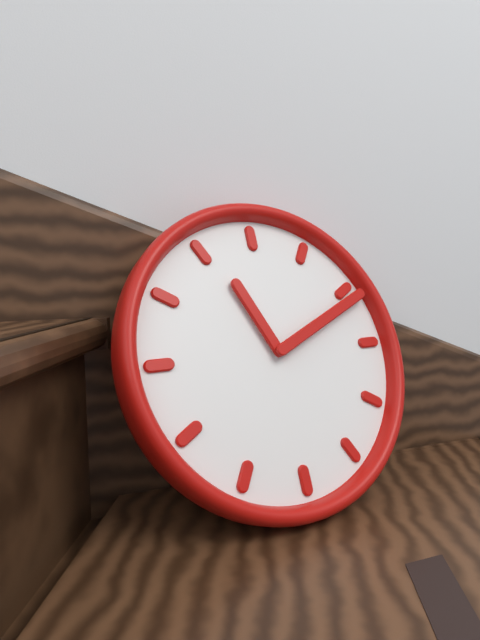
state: 11:11
